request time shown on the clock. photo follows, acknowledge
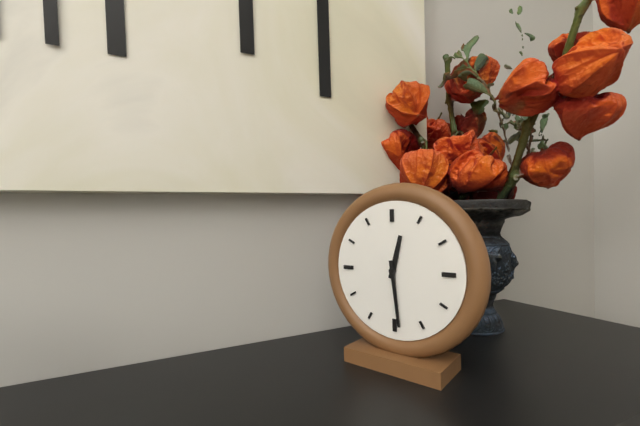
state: 12:29
